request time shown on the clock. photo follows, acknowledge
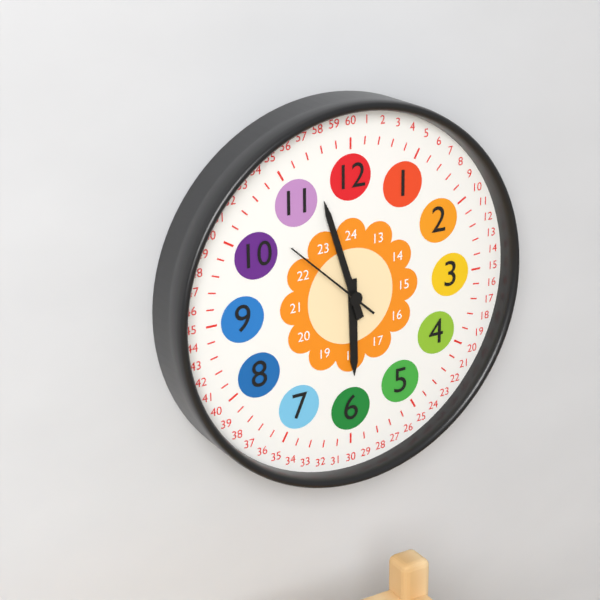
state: 5:57:52
